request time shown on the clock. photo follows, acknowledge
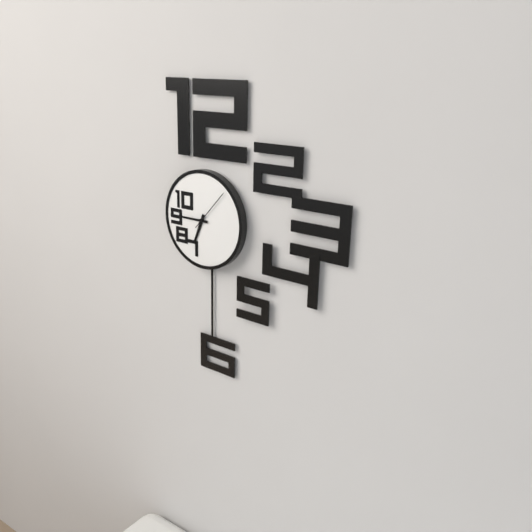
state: 6:45
